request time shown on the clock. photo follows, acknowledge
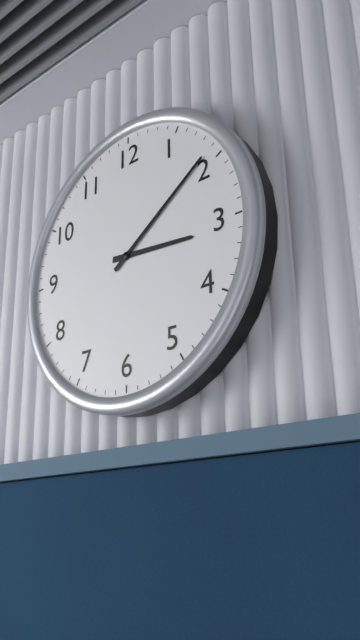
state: 3:09
